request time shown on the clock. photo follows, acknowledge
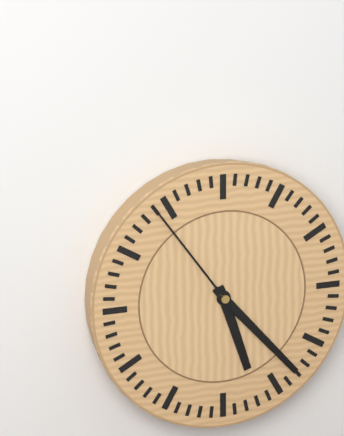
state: 5:23:54
